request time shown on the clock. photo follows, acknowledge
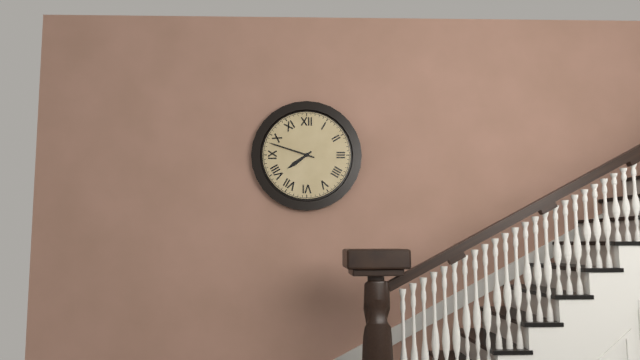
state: 7:48
